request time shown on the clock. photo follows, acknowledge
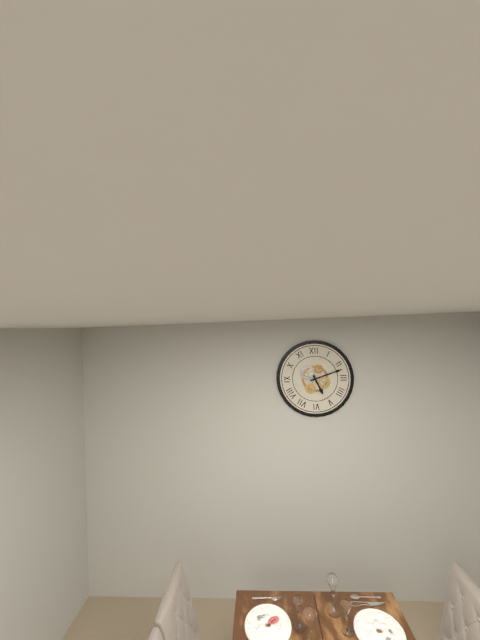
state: 5:12
